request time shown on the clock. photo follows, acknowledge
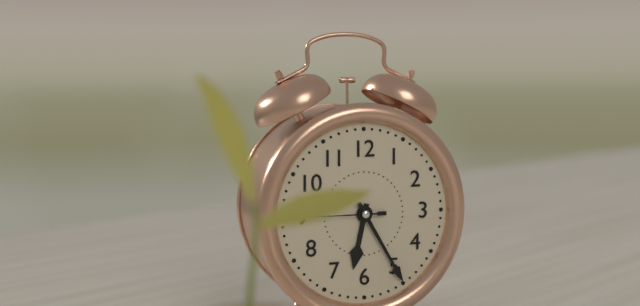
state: 6:25
